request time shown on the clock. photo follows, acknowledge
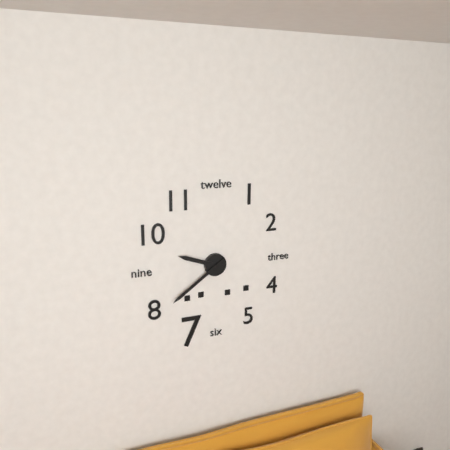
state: 9:39
